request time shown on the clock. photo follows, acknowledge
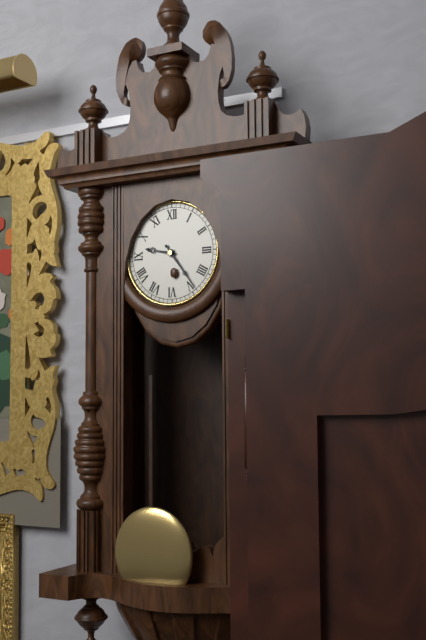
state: 9:24
